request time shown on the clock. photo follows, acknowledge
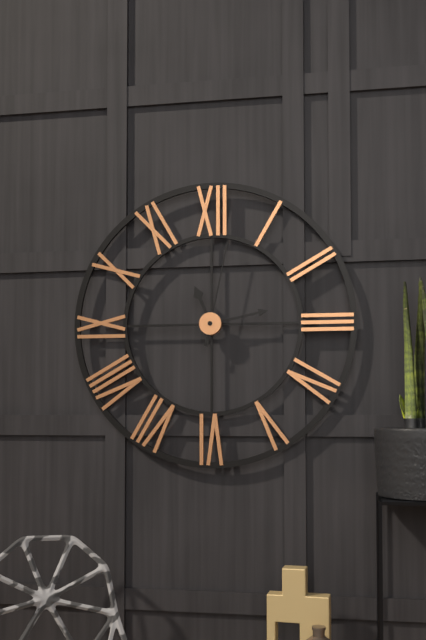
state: 11:13:02
